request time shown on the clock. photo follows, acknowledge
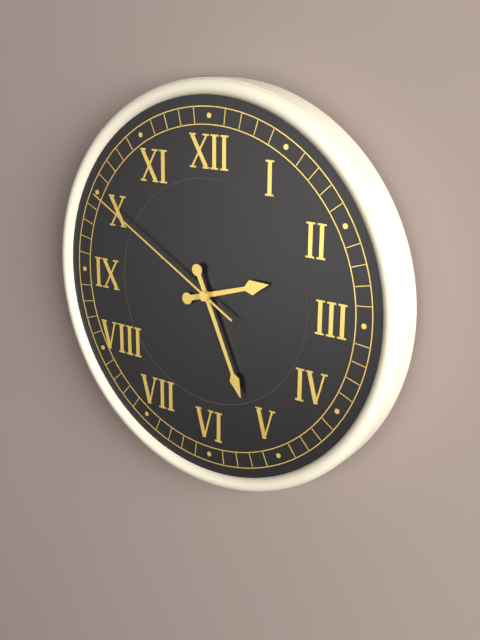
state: 2:26:50
